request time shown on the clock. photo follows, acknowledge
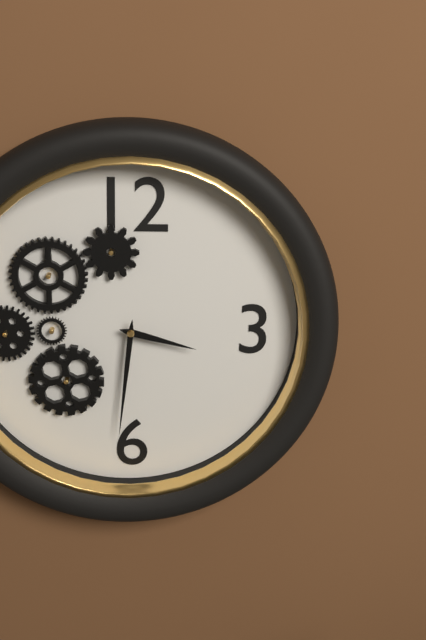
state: 3:31
